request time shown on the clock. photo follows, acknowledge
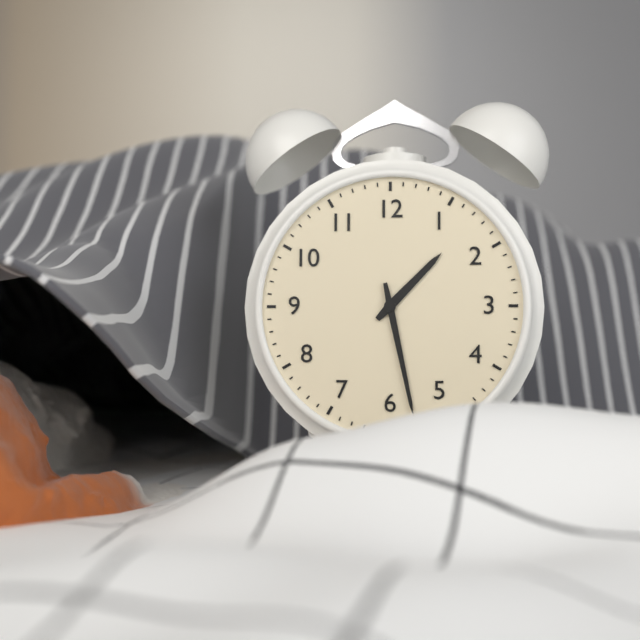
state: 1:28
